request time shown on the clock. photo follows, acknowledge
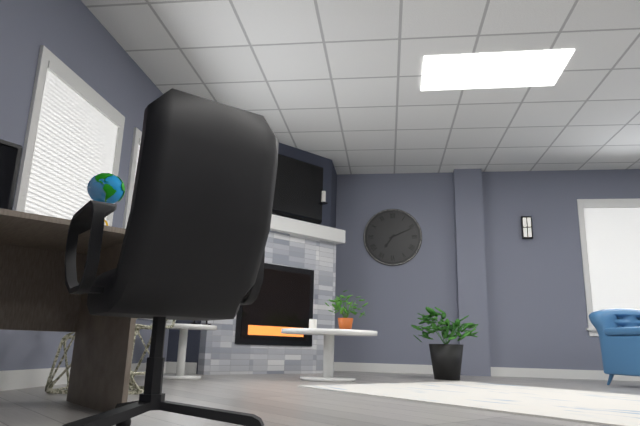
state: 7:11
